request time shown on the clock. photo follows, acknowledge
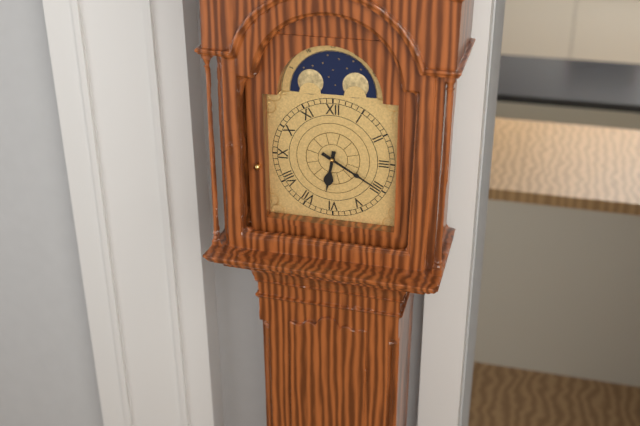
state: 6:20
